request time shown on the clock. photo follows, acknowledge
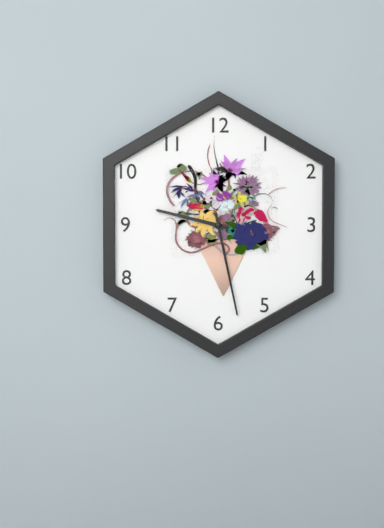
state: 9:28
